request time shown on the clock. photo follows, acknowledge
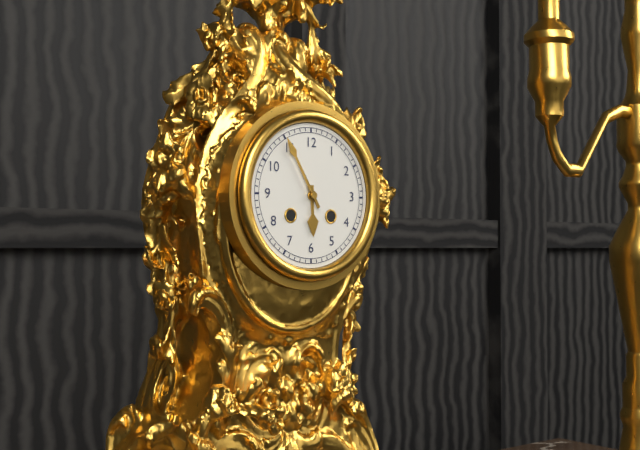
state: 5:55
